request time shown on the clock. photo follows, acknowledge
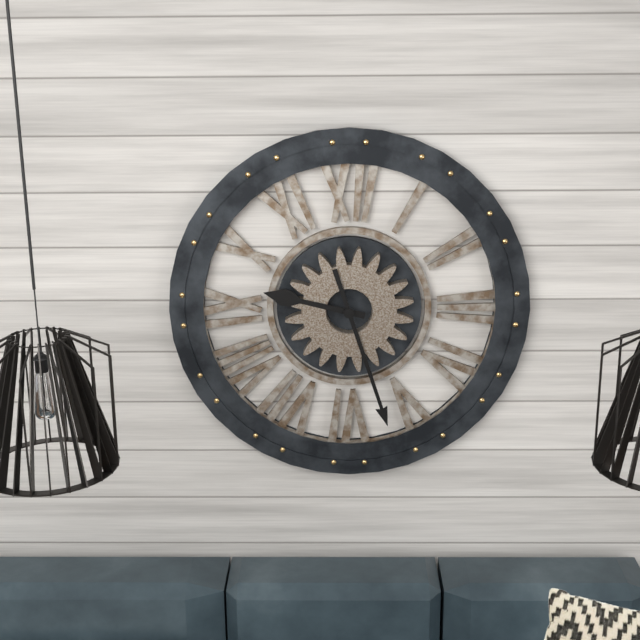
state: 9:27
